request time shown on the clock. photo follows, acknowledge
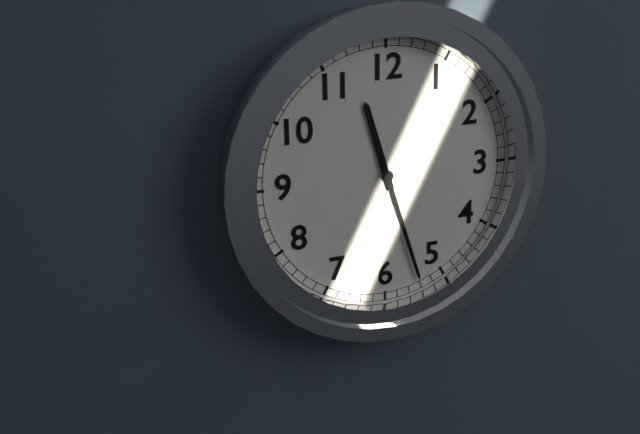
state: 11:27
